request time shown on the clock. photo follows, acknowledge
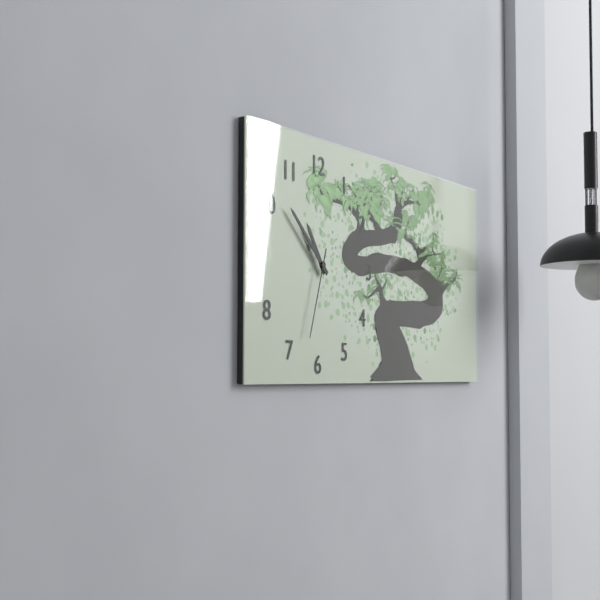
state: 10:52:33
